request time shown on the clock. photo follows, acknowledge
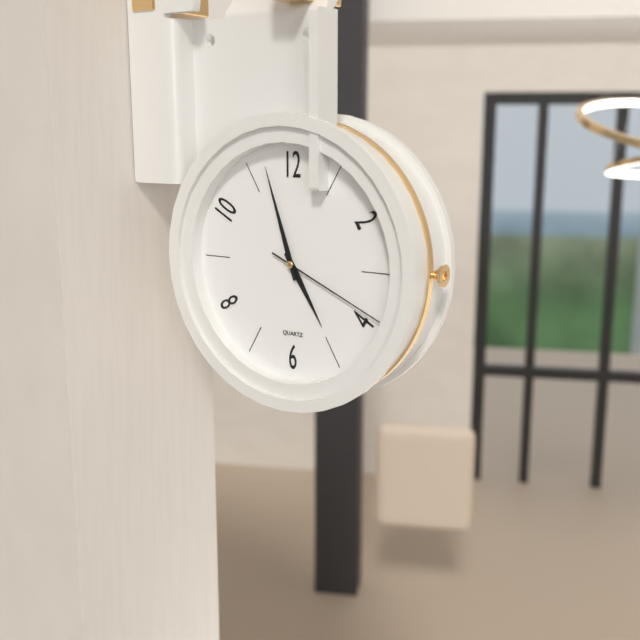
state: 4:57:19
